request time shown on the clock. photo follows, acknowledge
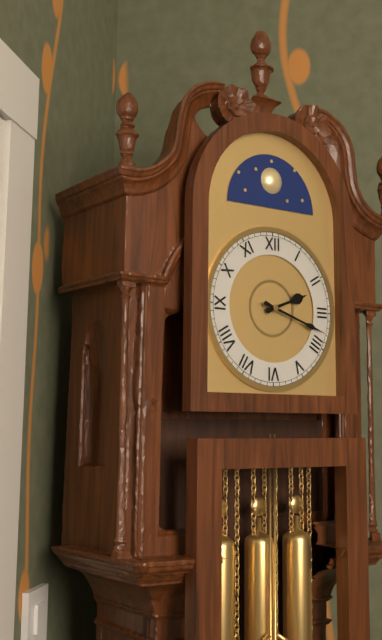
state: 2:18
